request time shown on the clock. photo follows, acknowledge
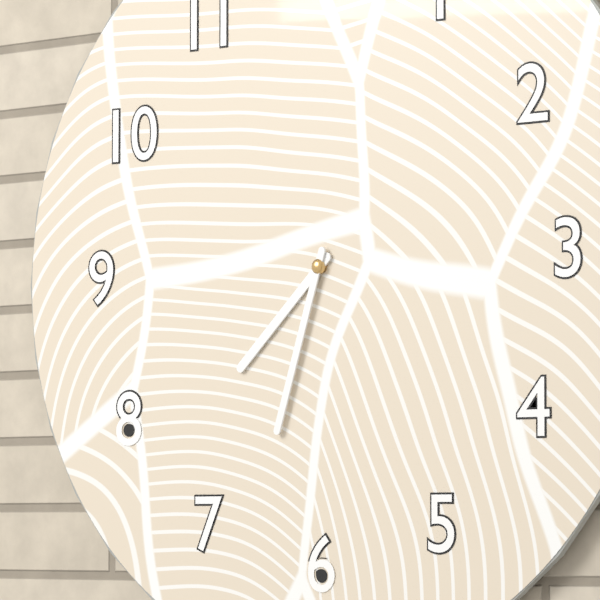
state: 7:33
